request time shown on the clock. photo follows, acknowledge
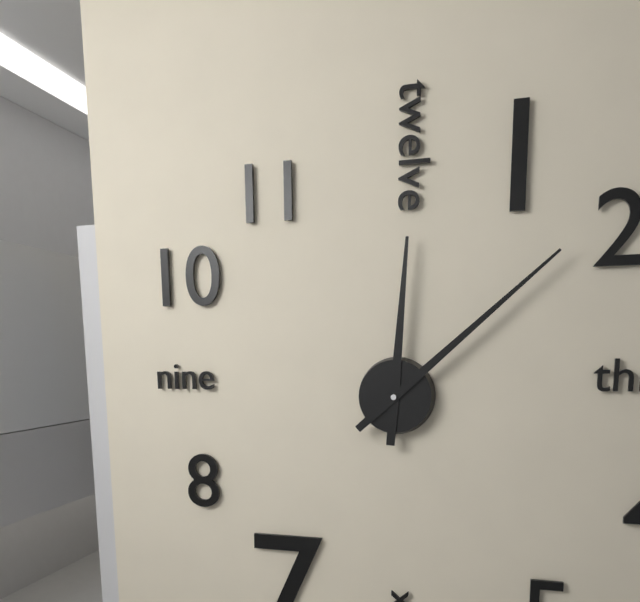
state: 12:08
